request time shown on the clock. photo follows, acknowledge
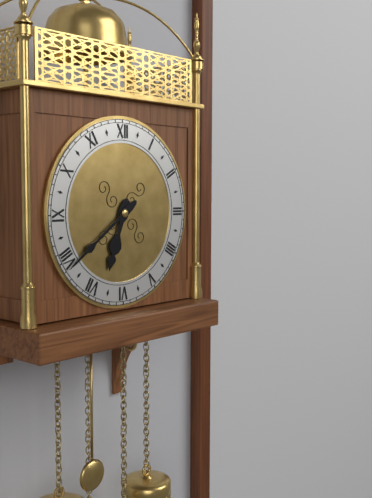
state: 6:39
